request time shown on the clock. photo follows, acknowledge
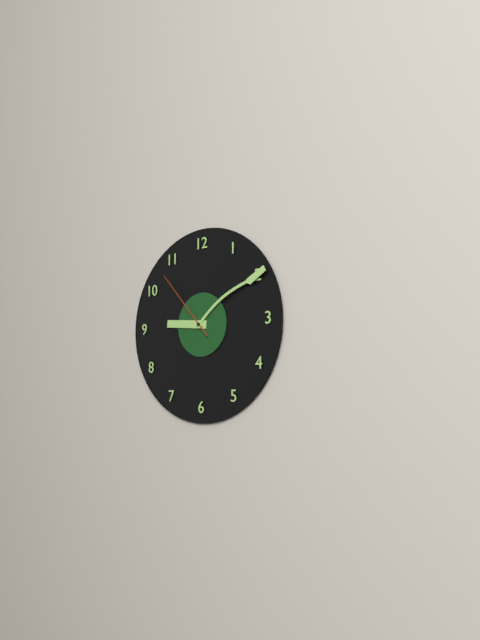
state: 9:10:53
